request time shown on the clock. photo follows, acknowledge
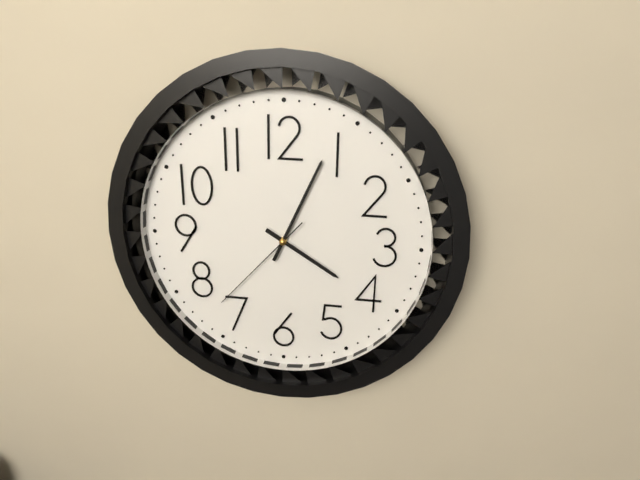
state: 4:04:37
